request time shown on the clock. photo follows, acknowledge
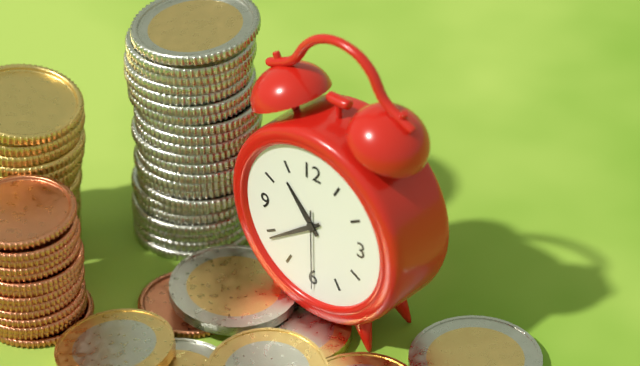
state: 10:39:30
